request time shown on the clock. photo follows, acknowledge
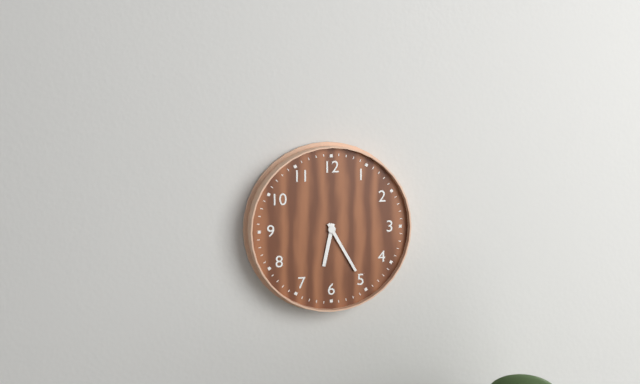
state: 6:25
